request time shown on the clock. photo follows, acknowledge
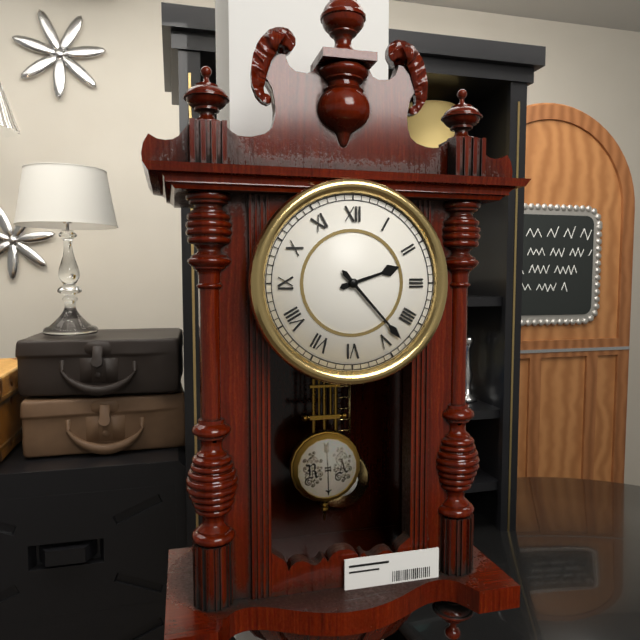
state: 2:23
